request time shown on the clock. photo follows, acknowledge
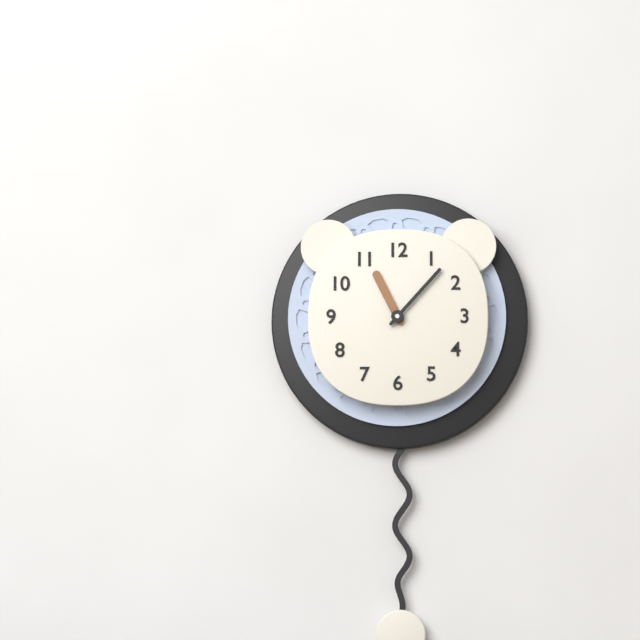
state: 11:07
